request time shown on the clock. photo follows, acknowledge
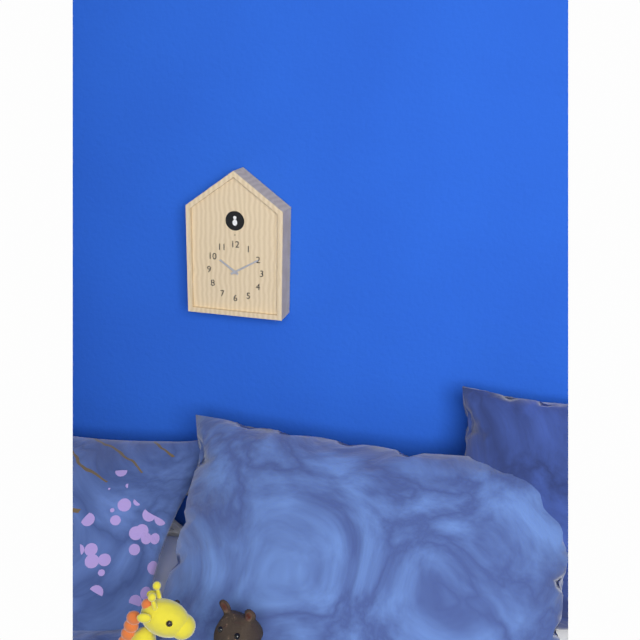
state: 10:10
